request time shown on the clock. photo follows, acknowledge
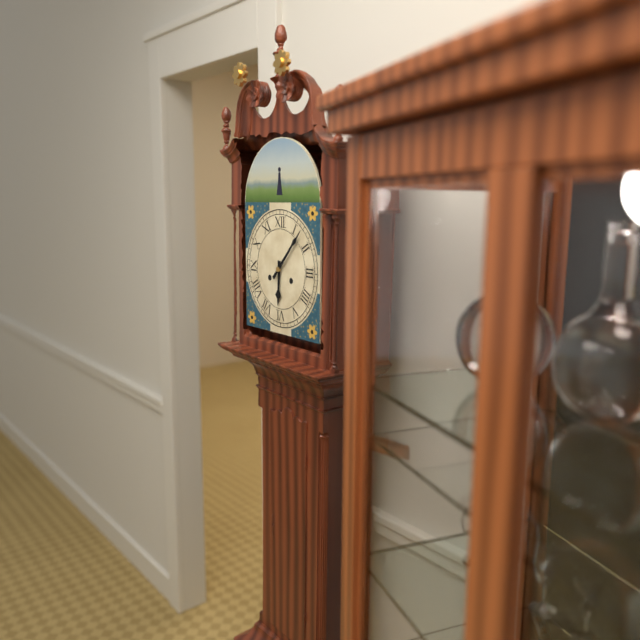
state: 6:07
